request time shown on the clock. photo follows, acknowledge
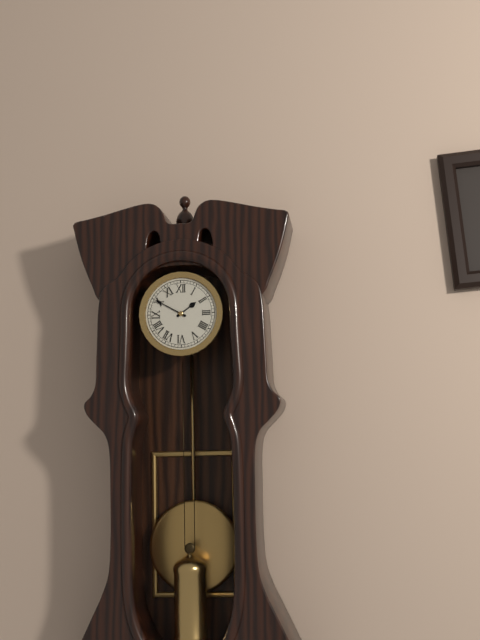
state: 1:50
